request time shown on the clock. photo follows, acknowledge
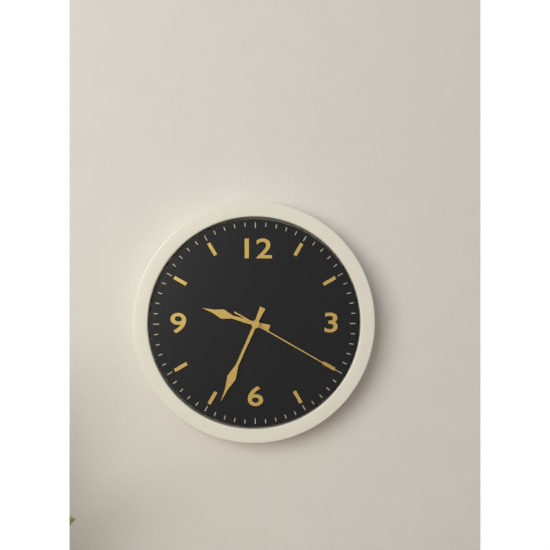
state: 9:34:20
